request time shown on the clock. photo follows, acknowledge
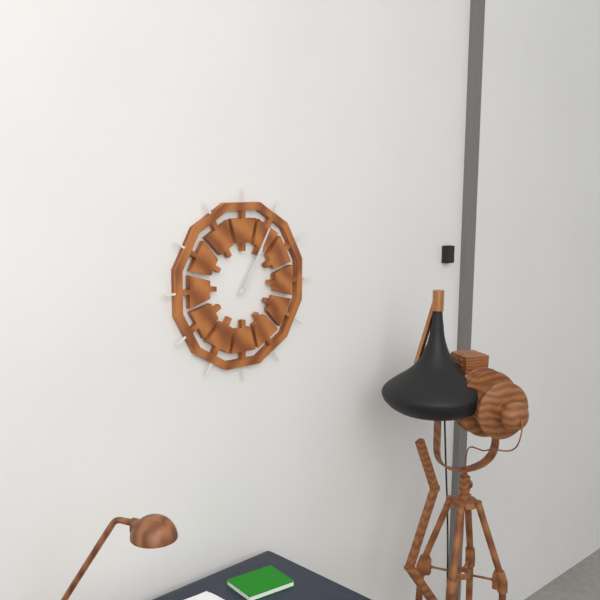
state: 1:05
